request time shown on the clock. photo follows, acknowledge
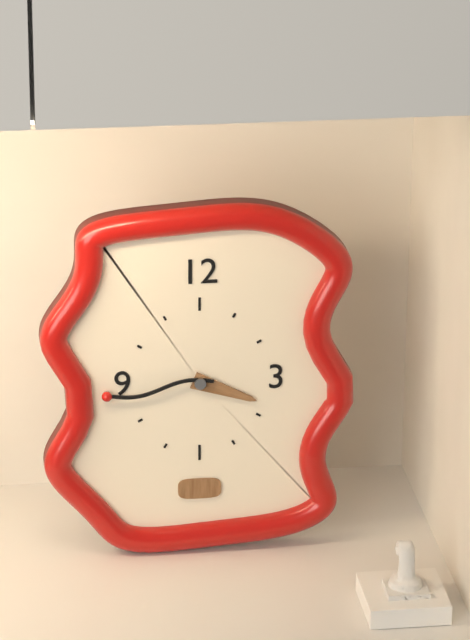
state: 3:44
